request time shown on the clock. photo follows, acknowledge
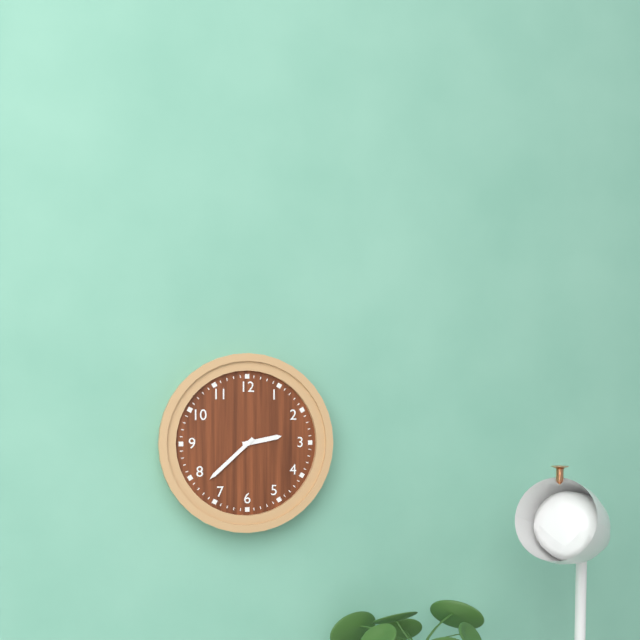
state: 2:38
